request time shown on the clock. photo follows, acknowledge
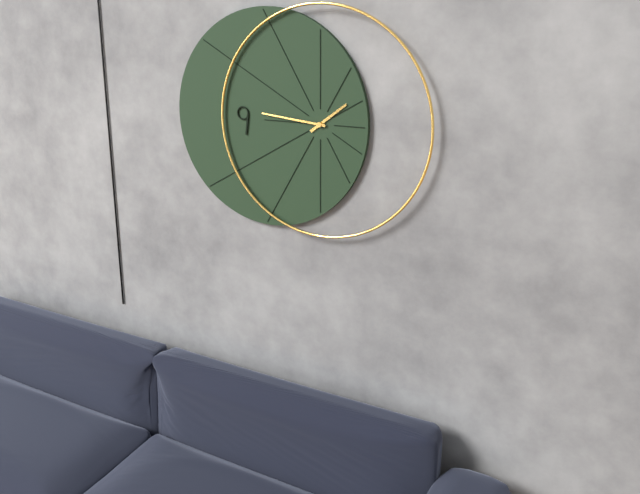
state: 1:46
